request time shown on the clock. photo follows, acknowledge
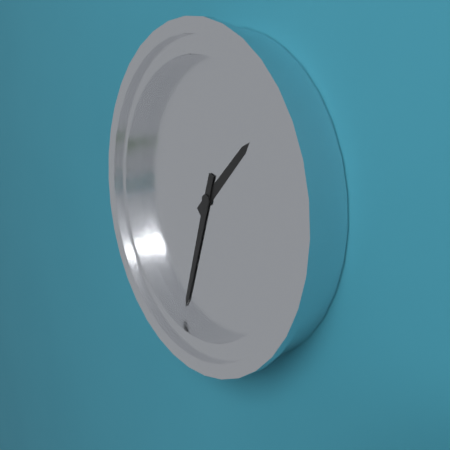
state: 1:33
